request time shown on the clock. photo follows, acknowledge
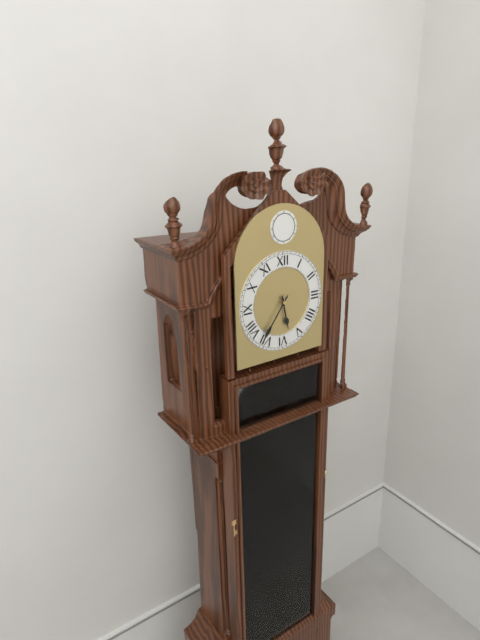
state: 5:36
